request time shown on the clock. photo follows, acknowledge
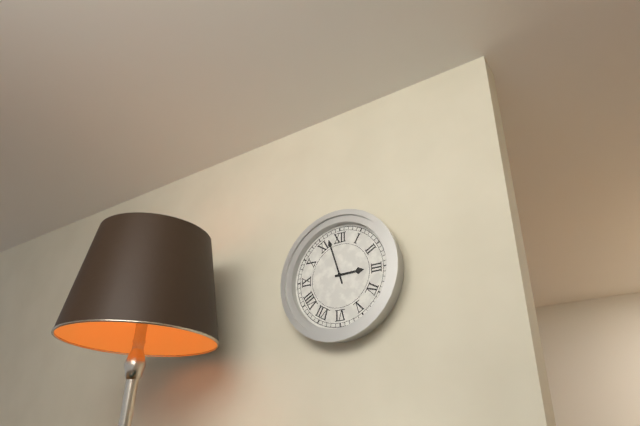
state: 2:57
